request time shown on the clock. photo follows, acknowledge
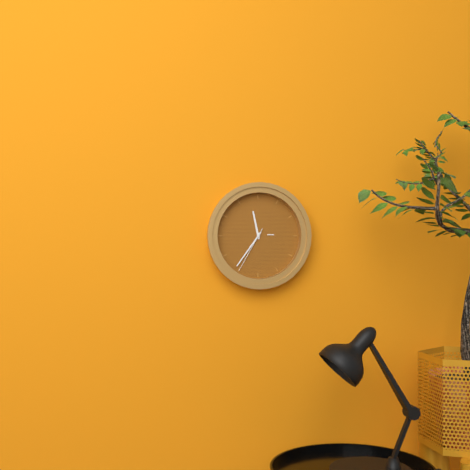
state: 11:36
